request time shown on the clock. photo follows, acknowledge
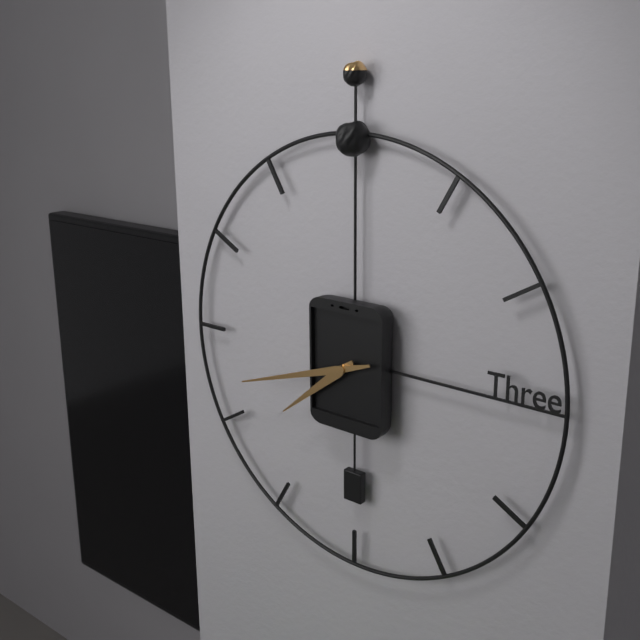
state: 7:42
